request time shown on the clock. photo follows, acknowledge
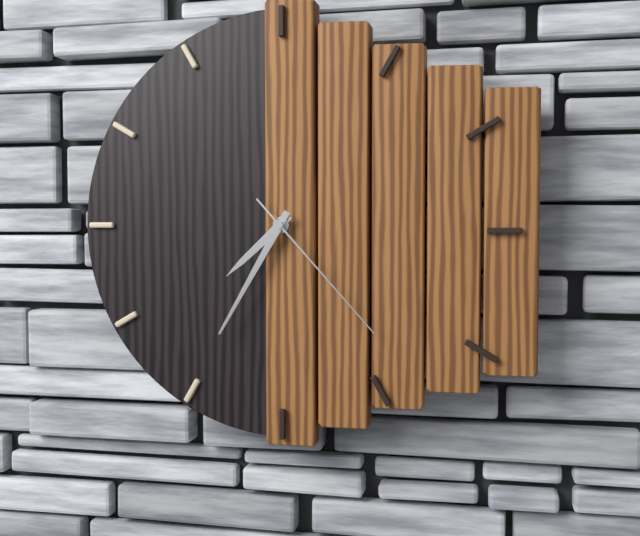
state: 7:35:23
